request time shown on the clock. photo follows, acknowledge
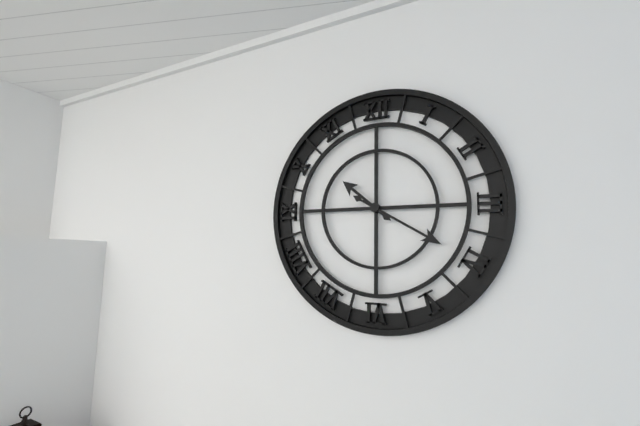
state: 10:20
